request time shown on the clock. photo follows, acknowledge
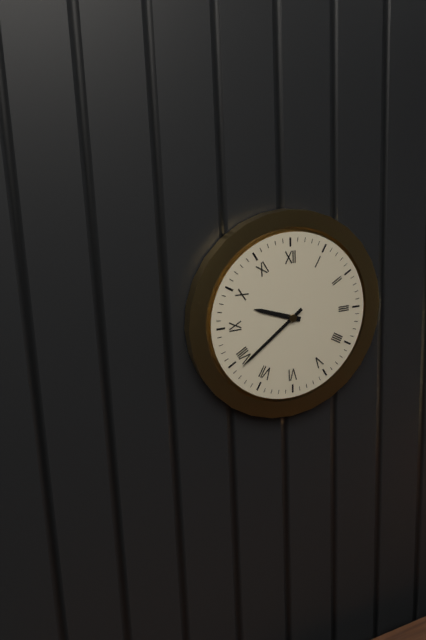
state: 9:39
